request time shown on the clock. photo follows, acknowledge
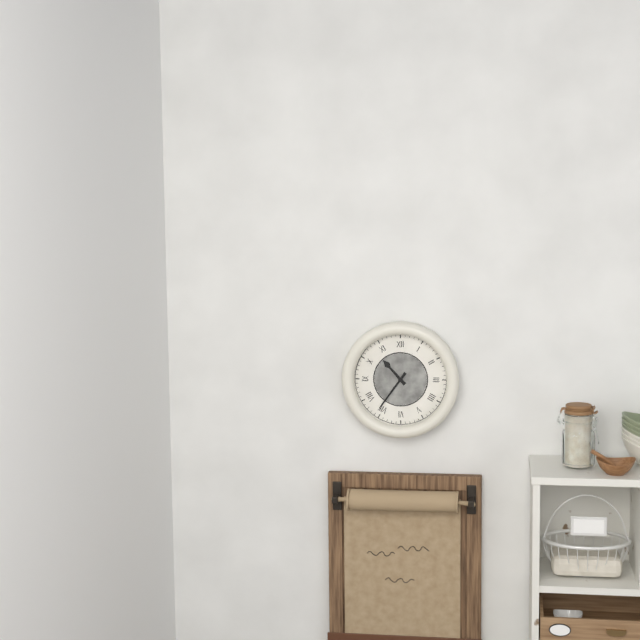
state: 10:36
